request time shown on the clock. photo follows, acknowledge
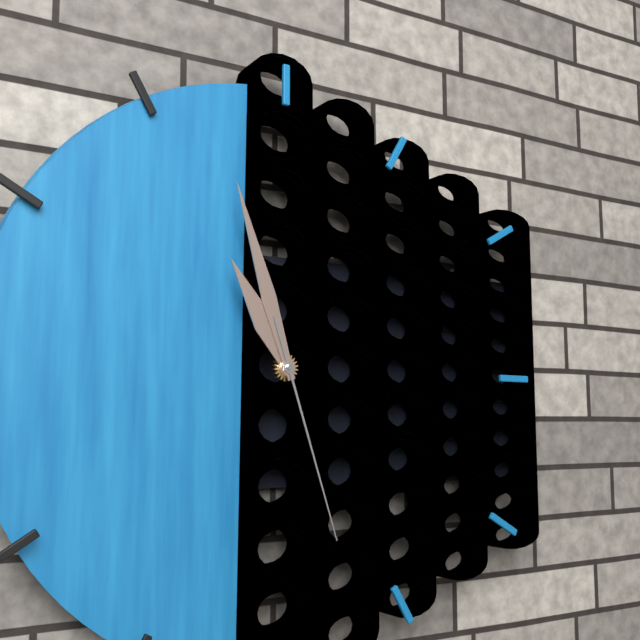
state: 10:57:27
